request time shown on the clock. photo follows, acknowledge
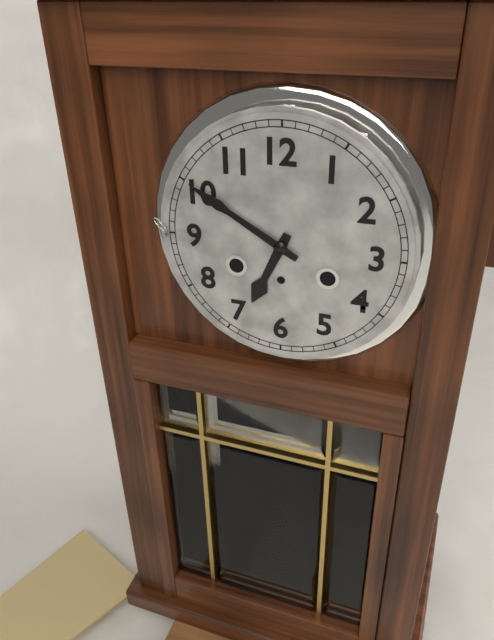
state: 6:50
